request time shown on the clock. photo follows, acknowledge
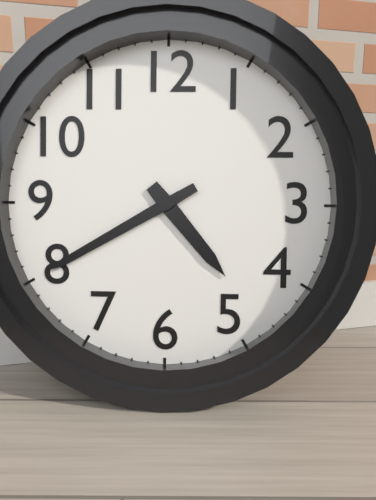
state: 4:40
